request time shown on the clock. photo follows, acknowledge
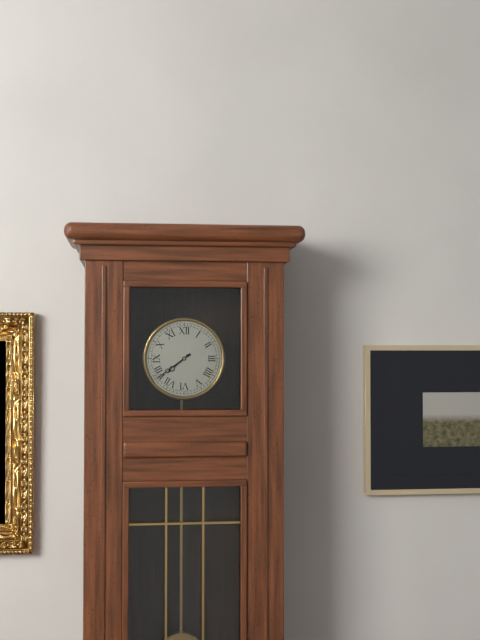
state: 7:39
